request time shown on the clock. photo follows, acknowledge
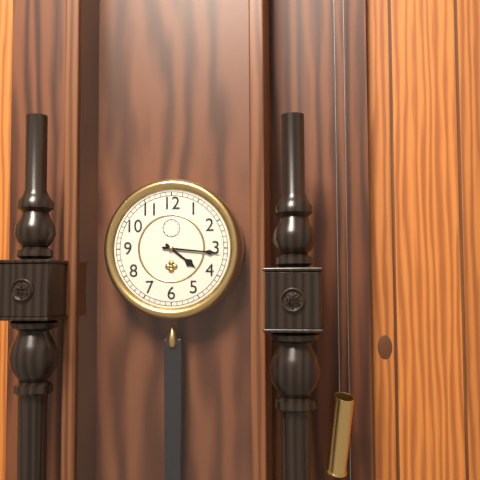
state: 4:16
